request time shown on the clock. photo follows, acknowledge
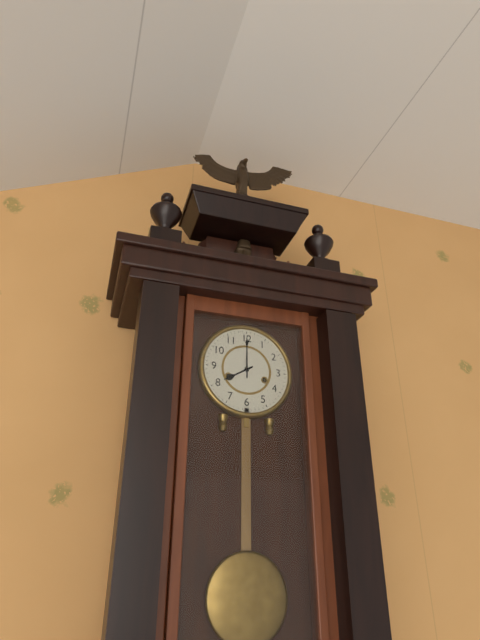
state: 8:00
